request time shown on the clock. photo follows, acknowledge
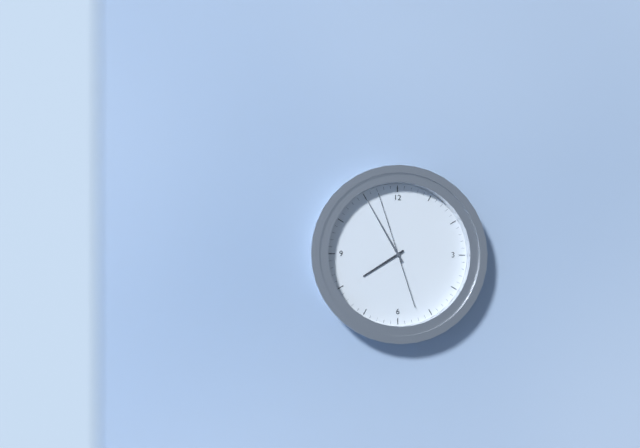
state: 7:55:57
